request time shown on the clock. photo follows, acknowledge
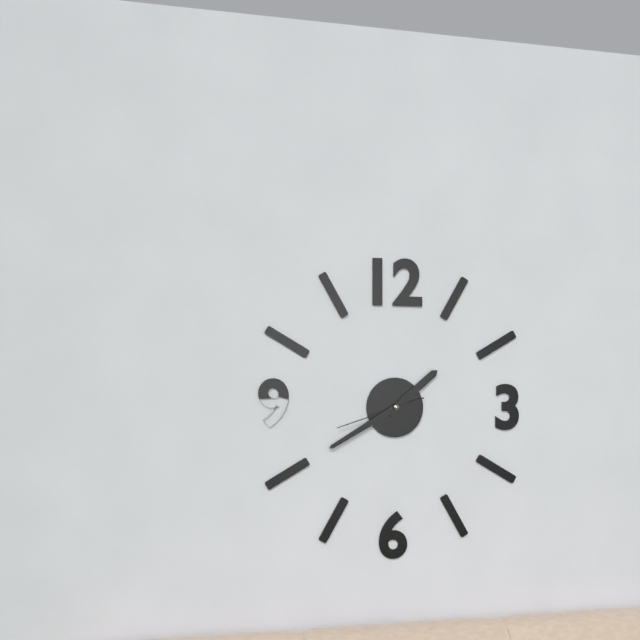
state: 1:40:42
